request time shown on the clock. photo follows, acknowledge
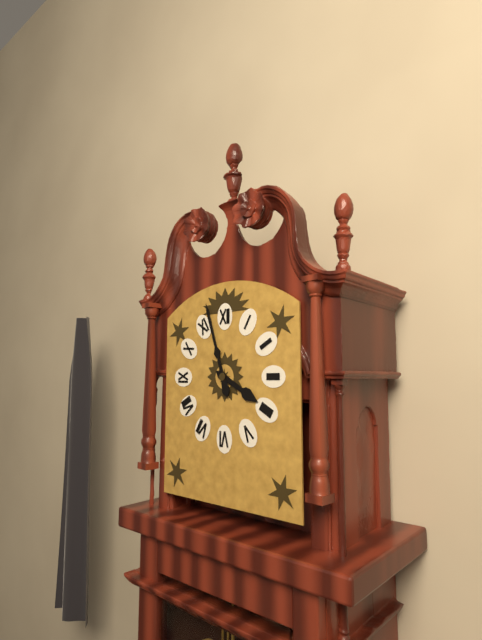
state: 3:57
